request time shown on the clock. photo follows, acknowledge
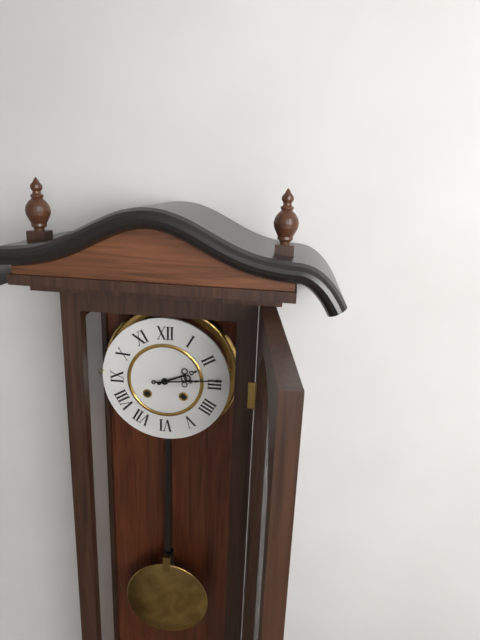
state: 2:14
